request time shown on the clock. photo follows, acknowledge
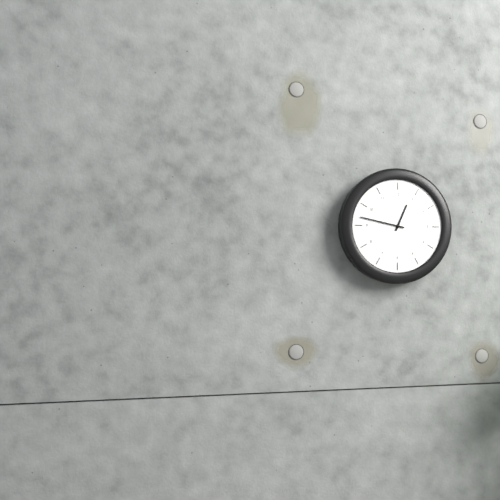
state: 12:47
